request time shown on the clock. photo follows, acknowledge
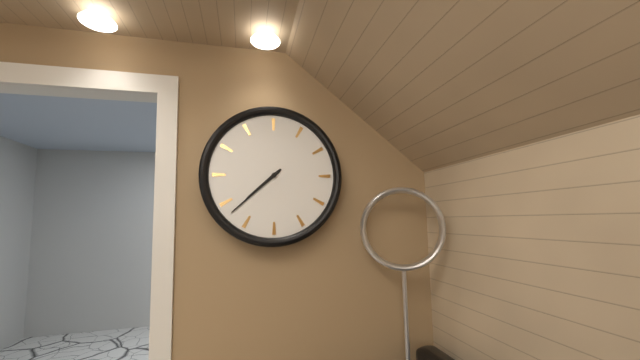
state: 7:38
